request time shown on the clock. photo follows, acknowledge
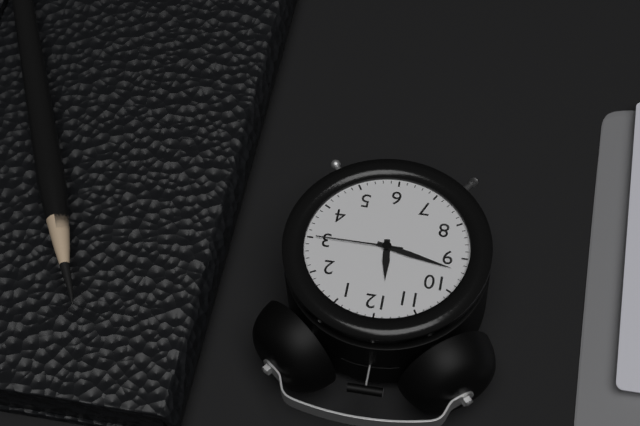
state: 11:47:15
